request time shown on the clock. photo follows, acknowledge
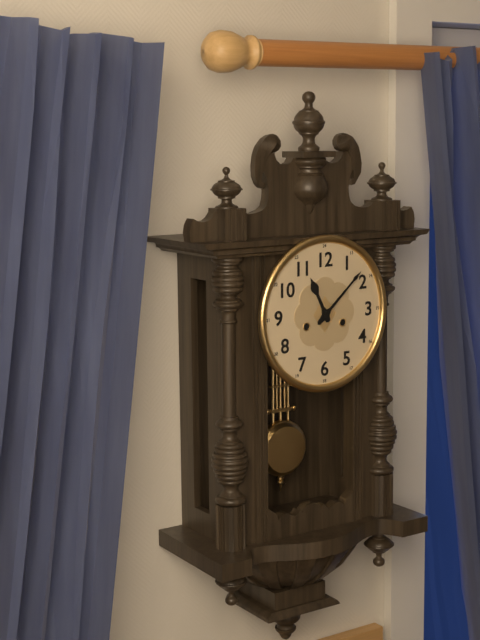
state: 11:08
